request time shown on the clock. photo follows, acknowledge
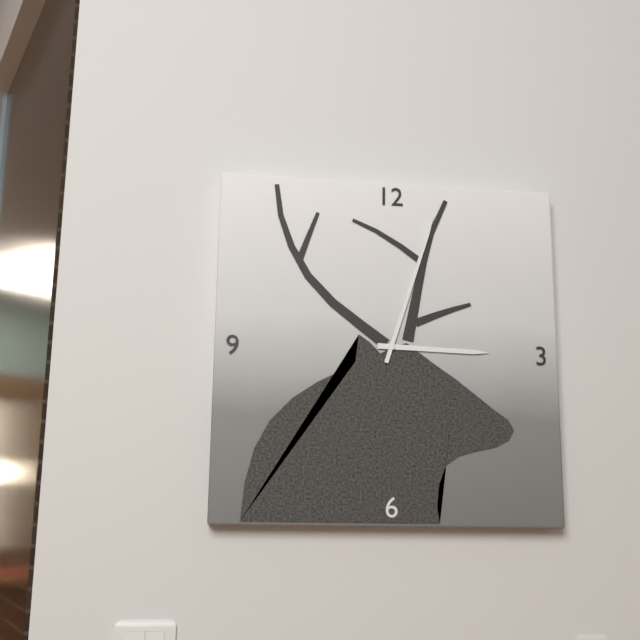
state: 3:03
